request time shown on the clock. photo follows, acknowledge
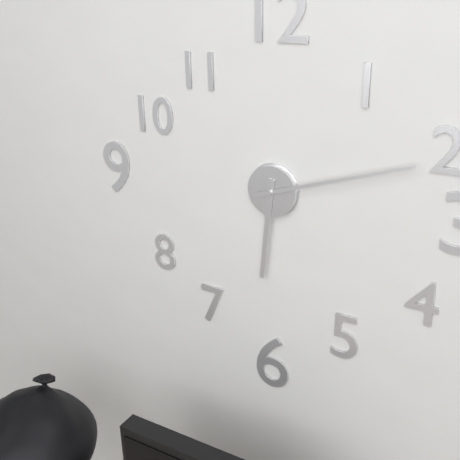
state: 6:12
